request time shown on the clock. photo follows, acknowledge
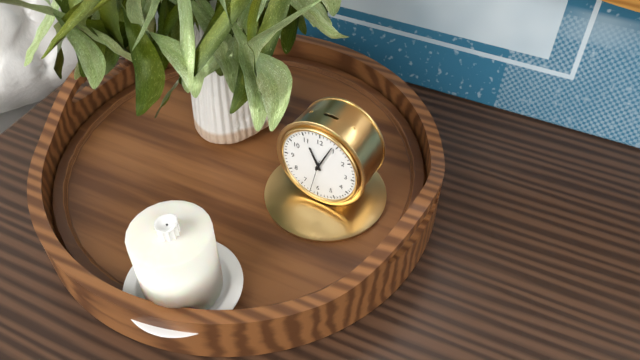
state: 11:04
